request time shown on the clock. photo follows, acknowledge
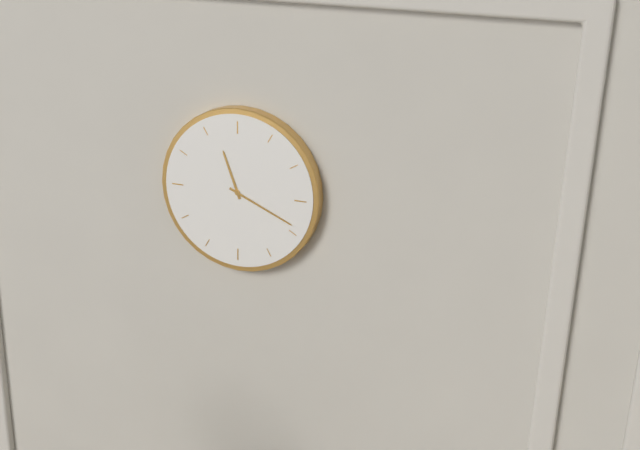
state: 11:19
